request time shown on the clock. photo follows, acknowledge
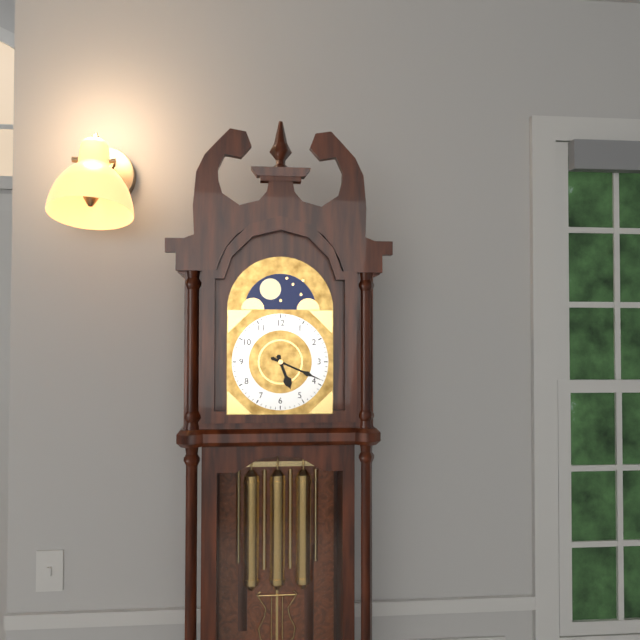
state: 5:19
